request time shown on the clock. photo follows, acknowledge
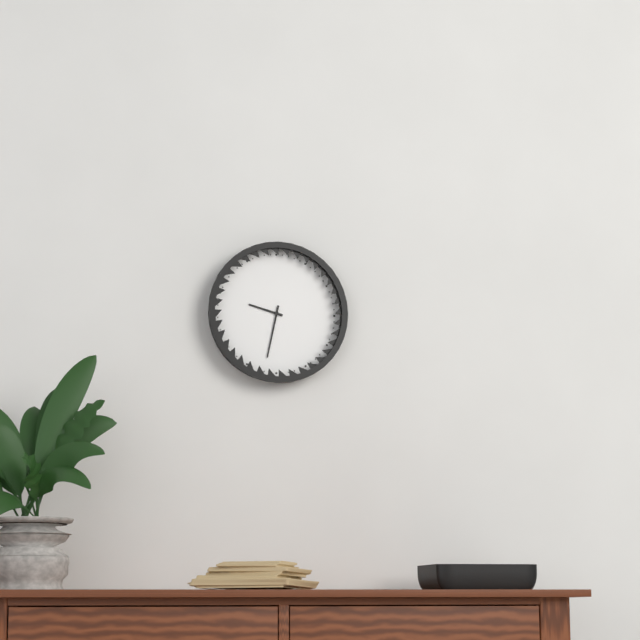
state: 9:32
